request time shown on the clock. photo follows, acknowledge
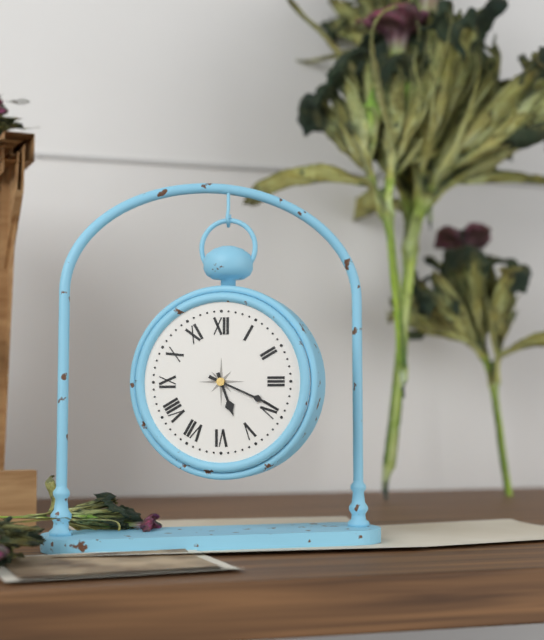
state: 5:19
